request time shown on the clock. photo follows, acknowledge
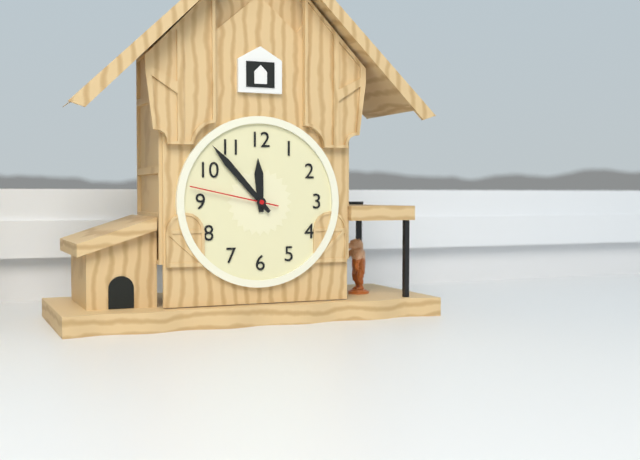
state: 11:53:47
